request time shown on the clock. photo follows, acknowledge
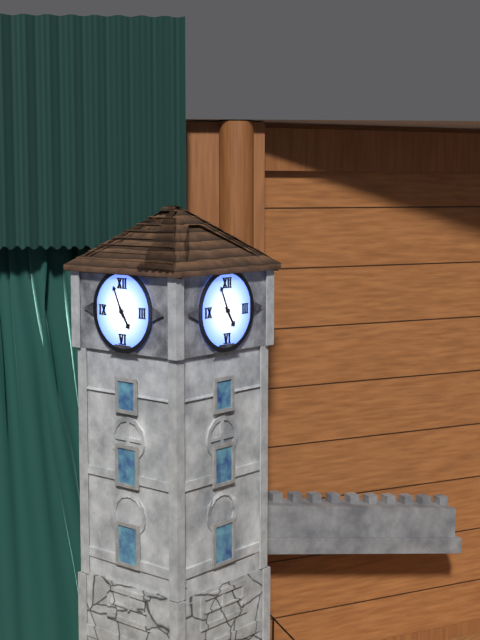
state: 4:56
